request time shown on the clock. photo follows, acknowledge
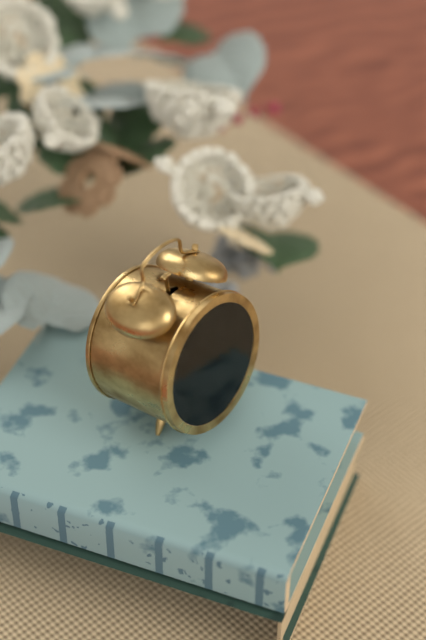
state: 10:21
